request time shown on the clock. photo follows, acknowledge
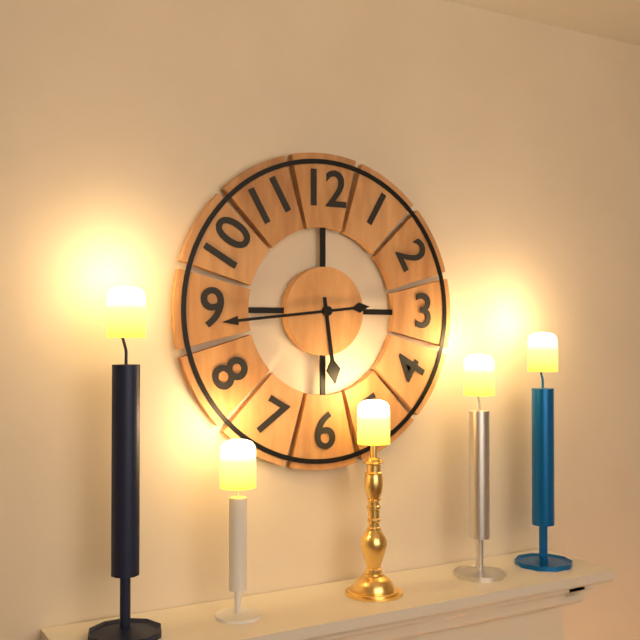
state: 5:44
